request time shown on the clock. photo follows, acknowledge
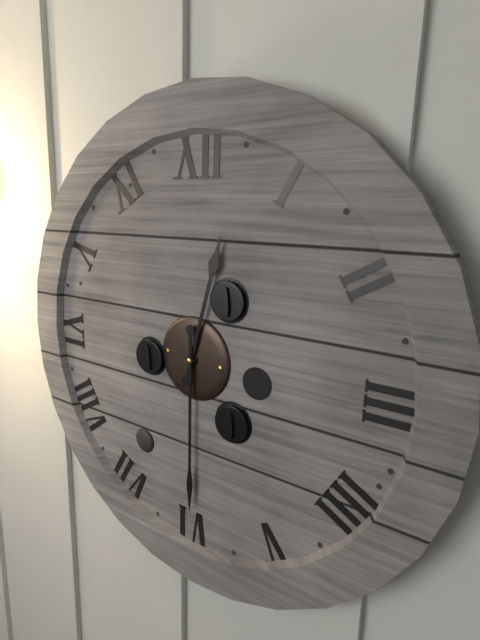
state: 12:30
